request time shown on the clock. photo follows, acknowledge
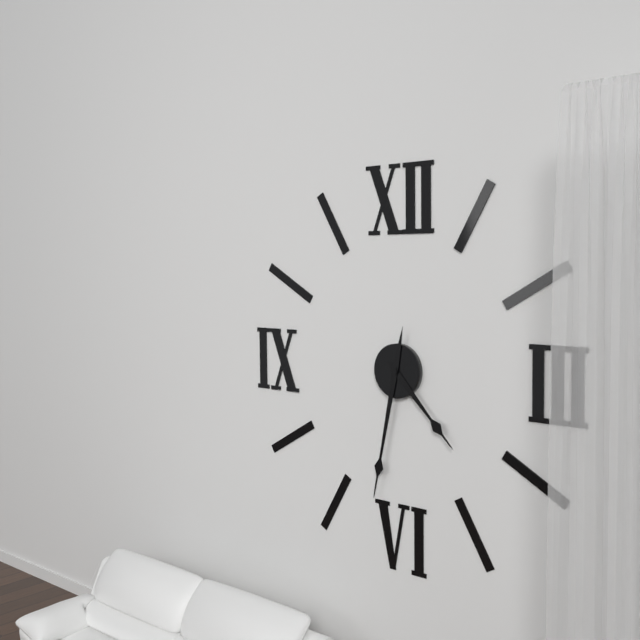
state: 4:32
